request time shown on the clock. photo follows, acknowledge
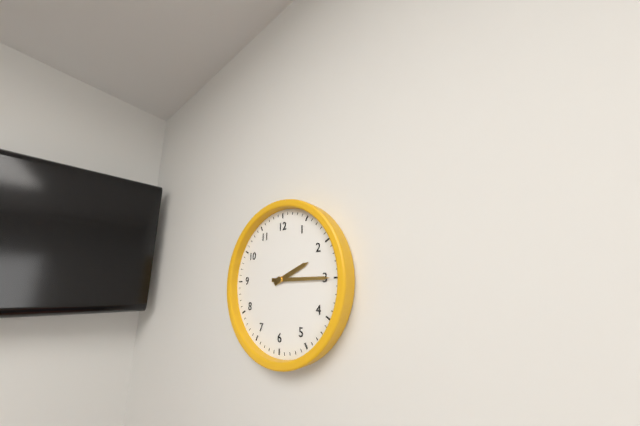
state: 2:15
